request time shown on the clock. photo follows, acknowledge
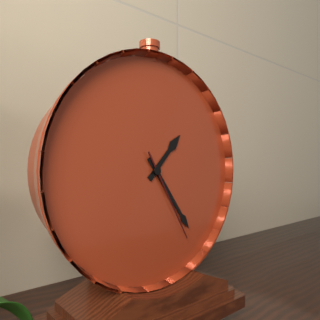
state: 1:24:25
